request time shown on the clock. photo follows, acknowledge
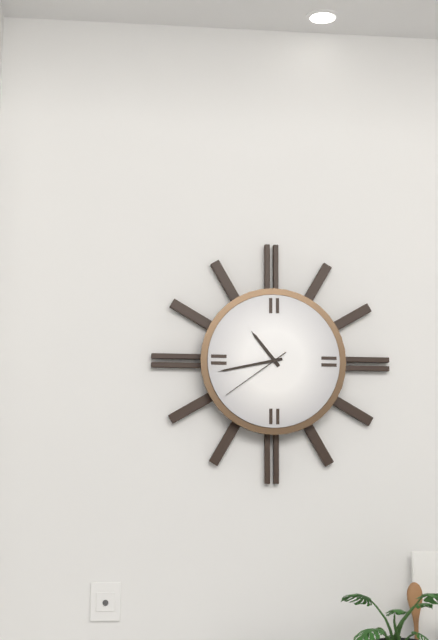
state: 10:43:39
